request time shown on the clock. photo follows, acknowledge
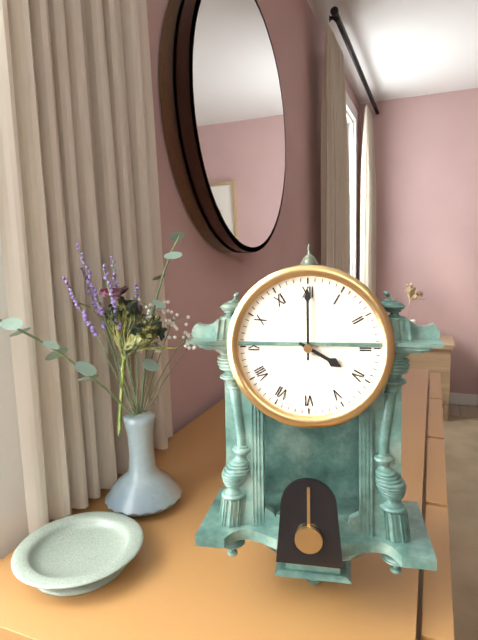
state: 4:00
